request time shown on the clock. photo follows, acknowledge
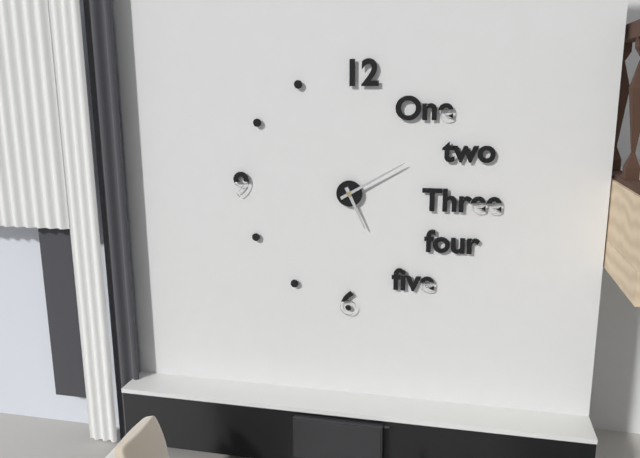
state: 5:10
